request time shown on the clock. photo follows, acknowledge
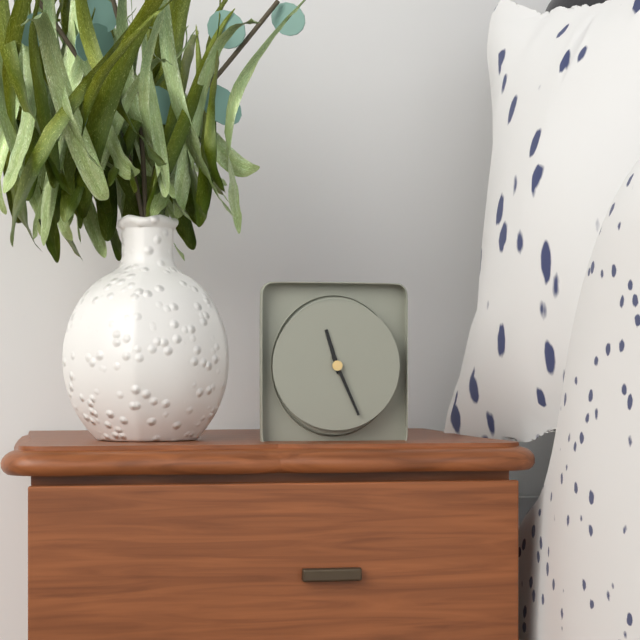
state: 11:26
